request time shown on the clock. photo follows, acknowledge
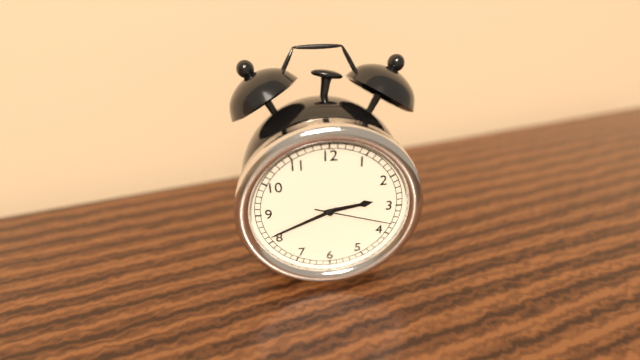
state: 2:41:18
